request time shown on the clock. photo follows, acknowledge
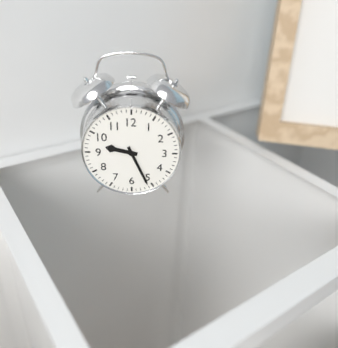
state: 9:26
